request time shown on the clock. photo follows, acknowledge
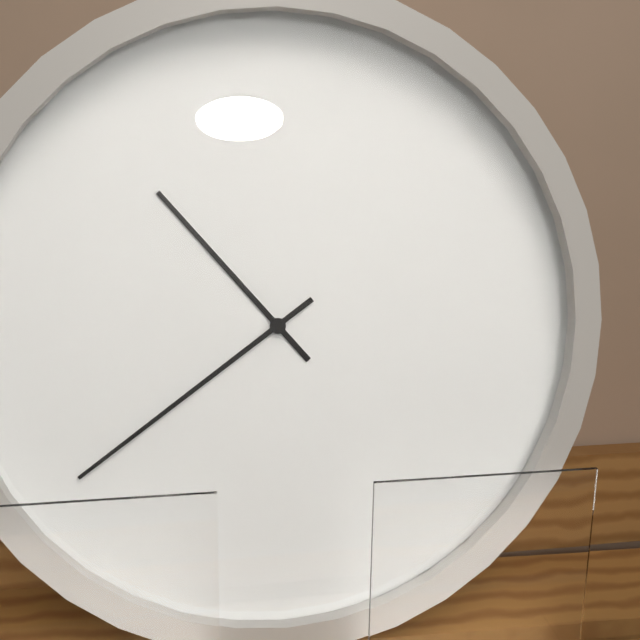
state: 10:39
